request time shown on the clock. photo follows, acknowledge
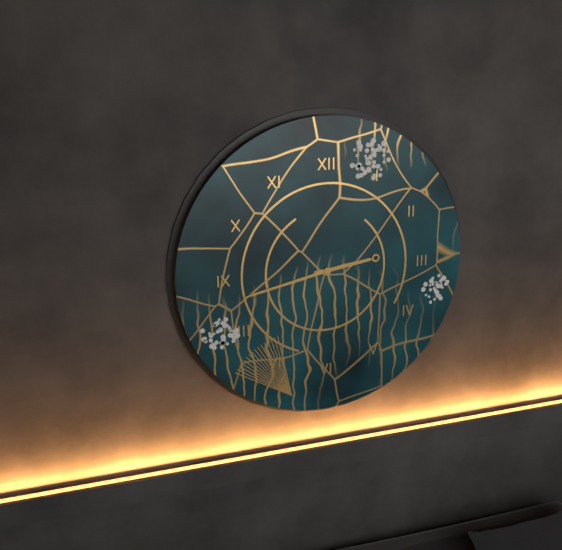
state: 2:43
